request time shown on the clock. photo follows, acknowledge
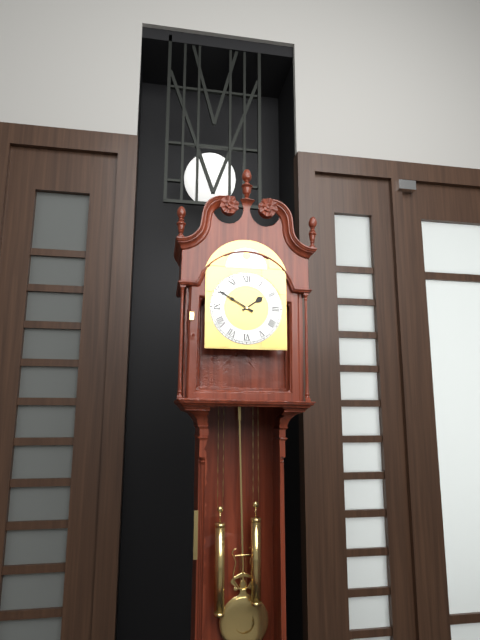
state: 1:50
